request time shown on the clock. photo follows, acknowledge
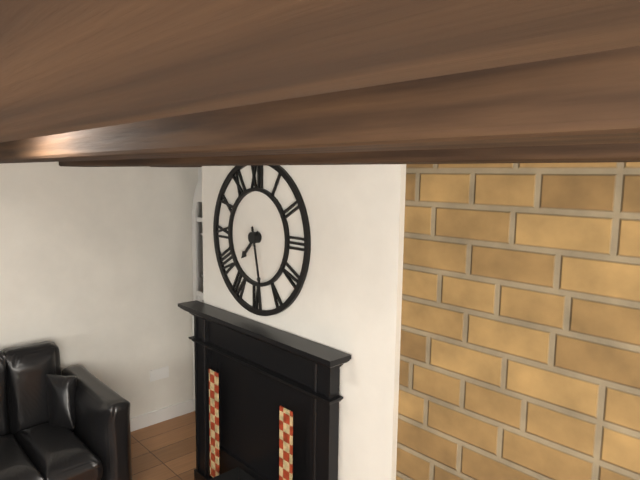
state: 7:28
